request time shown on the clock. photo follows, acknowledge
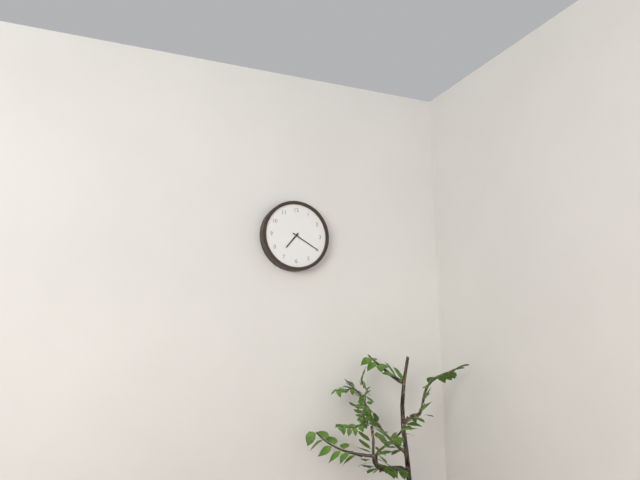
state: 7:20
